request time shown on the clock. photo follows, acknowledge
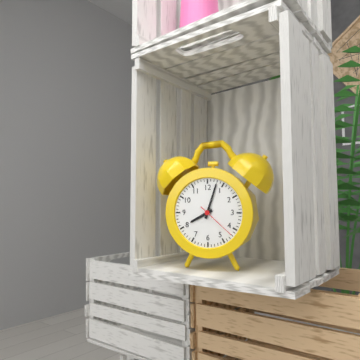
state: 8:03
